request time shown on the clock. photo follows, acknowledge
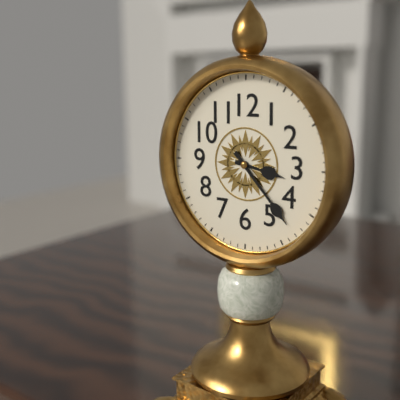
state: 3:23
